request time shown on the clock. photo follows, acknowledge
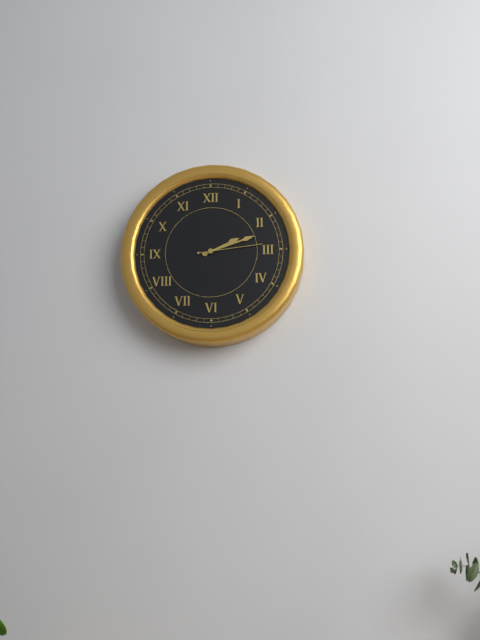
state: 2:12:14
